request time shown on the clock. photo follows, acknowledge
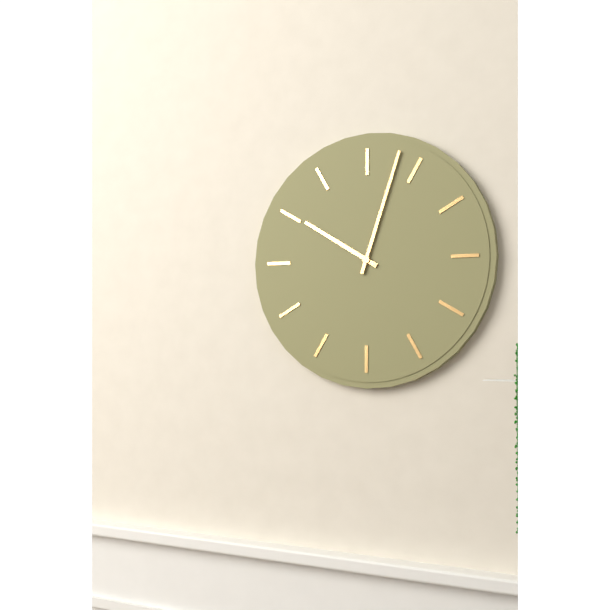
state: 10:03
